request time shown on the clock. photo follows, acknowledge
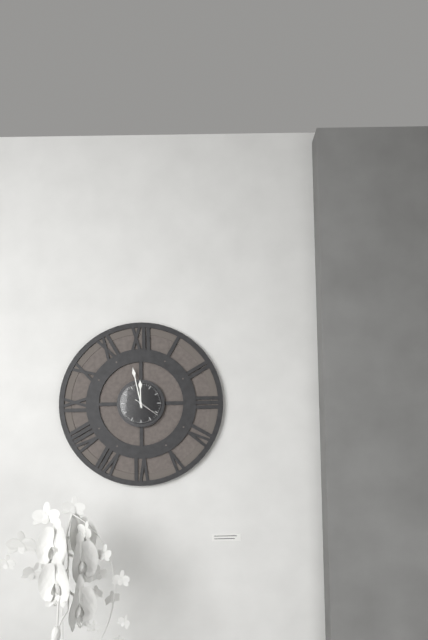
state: 11:58
